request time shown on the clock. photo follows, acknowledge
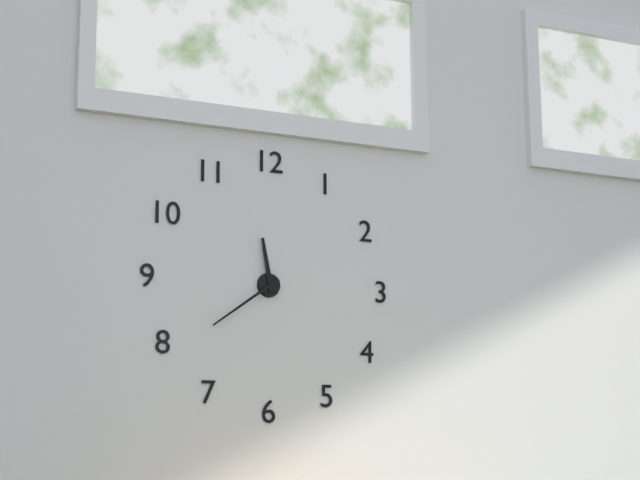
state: 11:39
